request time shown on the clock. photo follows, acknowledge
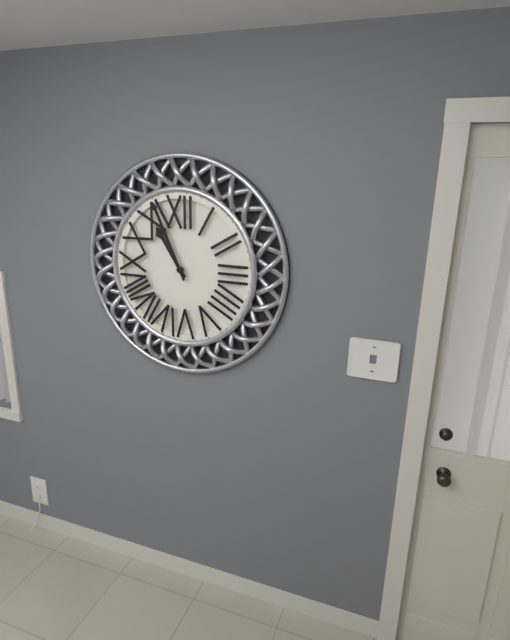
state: 10:56
